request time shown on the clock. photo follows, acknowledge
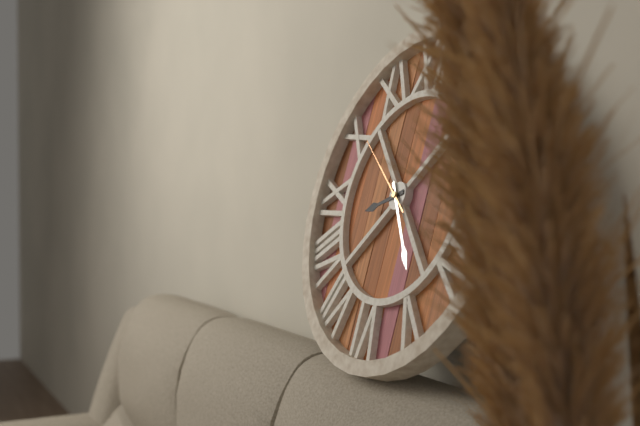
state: 8:24:51
